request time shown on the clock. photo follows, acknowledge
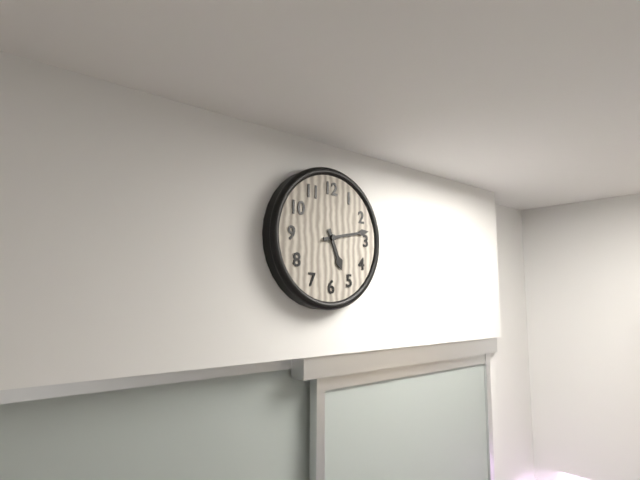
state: 5:13
